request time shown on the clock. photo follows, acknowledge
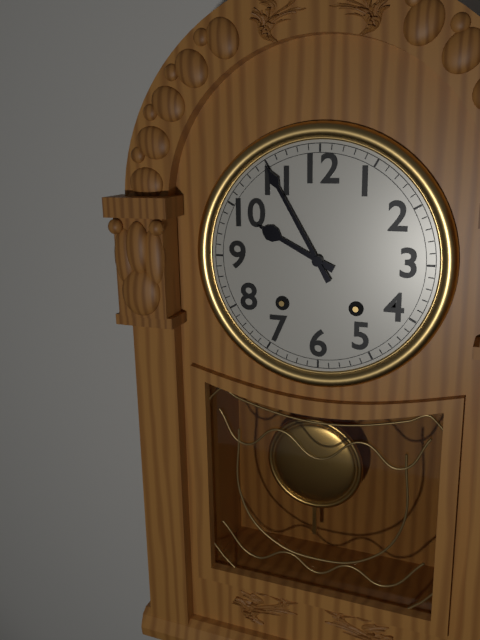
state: 9:55
